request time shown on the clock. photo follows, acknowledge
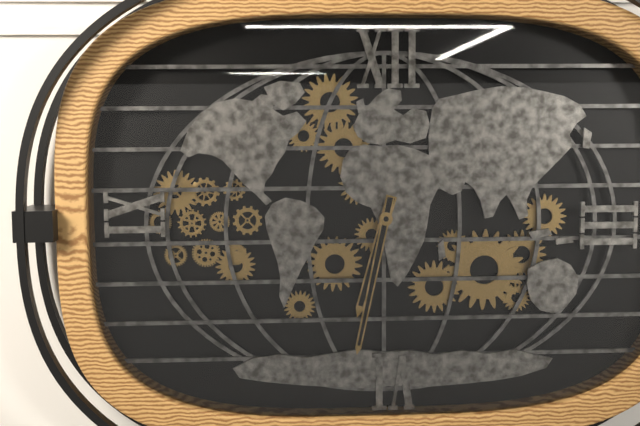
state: 6:32
